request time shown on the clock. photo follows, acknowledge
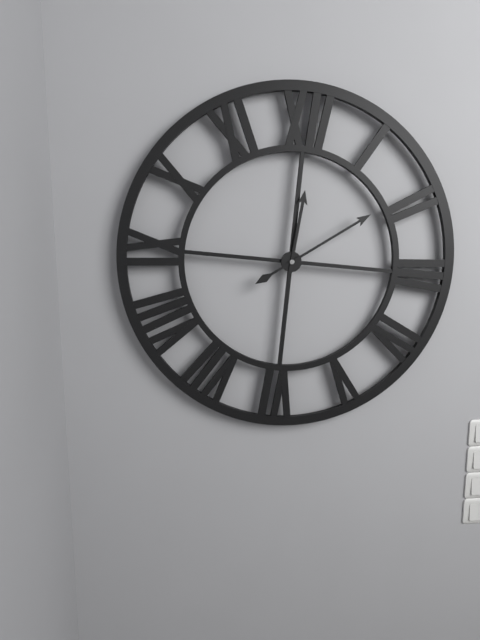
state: 12:09
